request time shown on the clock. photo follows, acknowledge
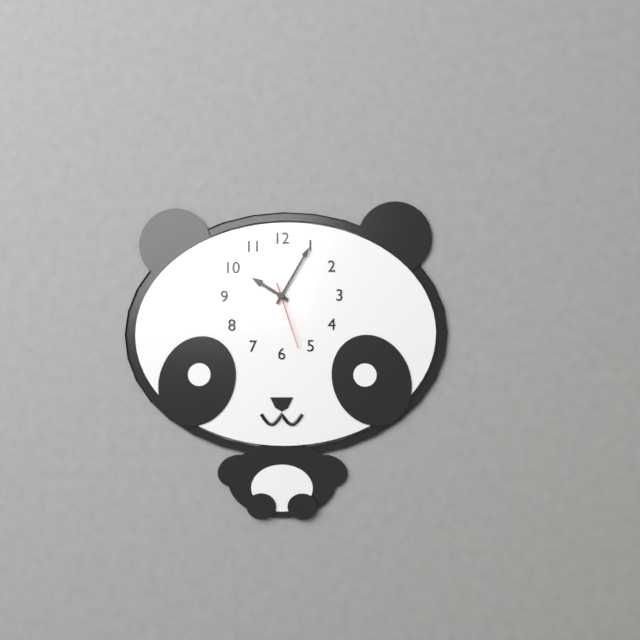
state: 10:05:27
